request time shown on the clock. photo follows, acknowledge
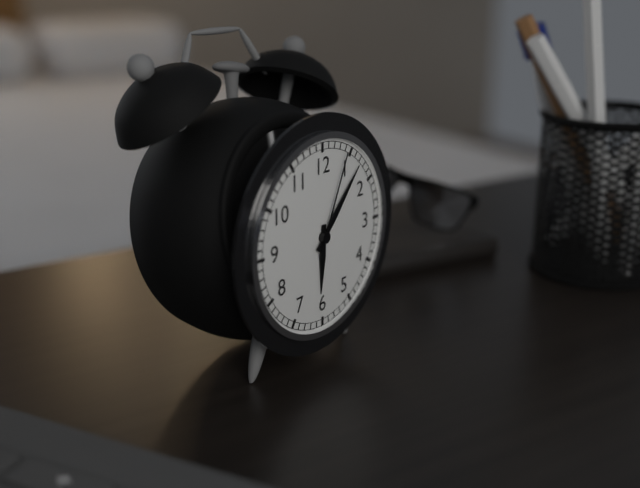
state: 6:07:04
